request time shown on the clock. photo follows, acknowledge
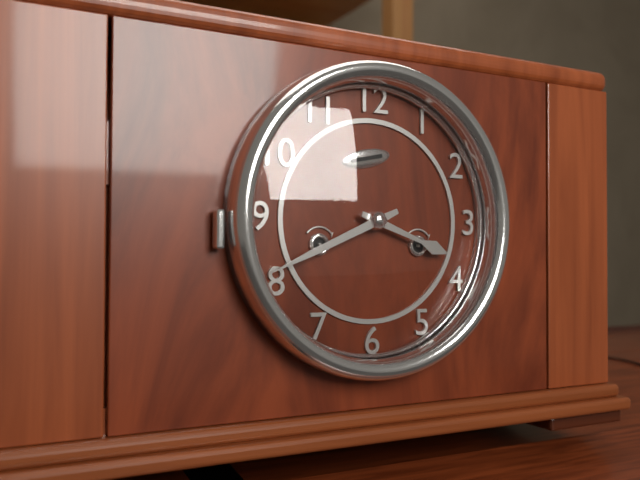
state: 3:41
